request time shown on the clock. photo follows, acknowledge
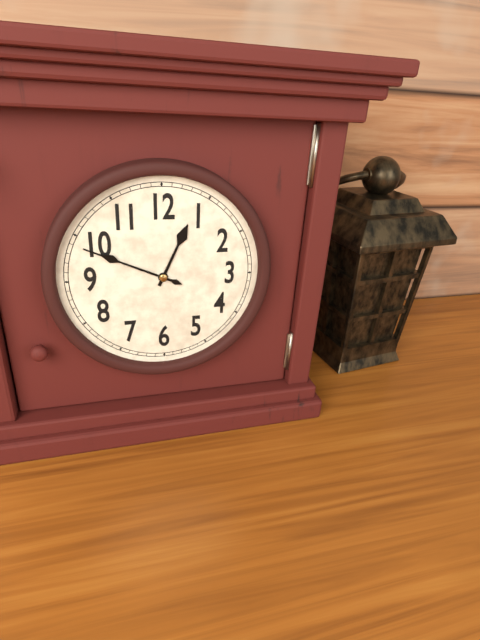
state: 12:49
